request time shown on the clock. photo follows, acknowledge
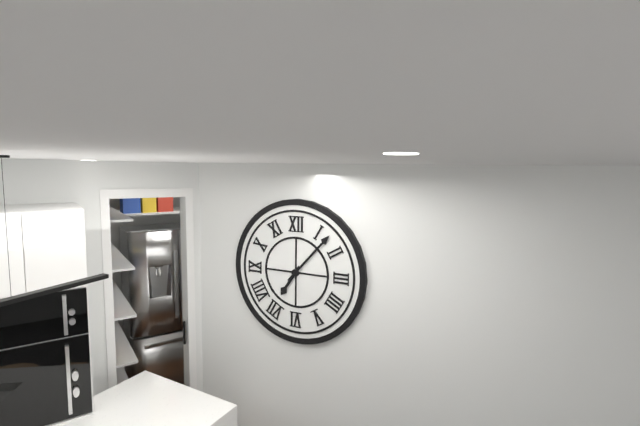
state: 7:07
